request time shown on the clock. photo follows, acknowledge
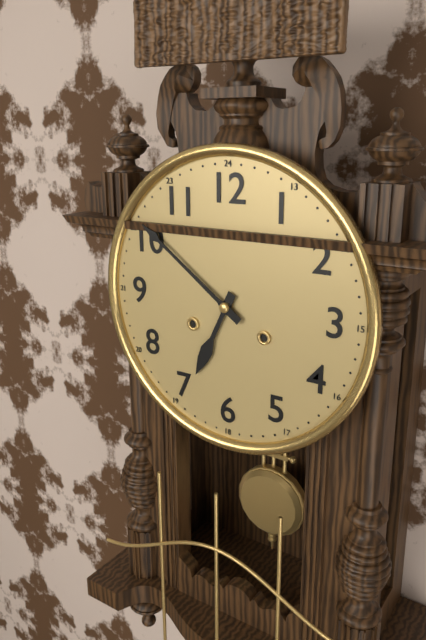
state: 6:51
